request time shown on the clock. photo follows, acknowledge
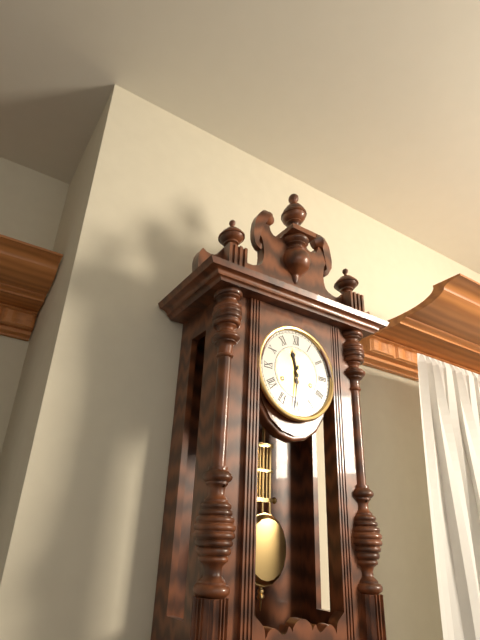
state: 11:31
